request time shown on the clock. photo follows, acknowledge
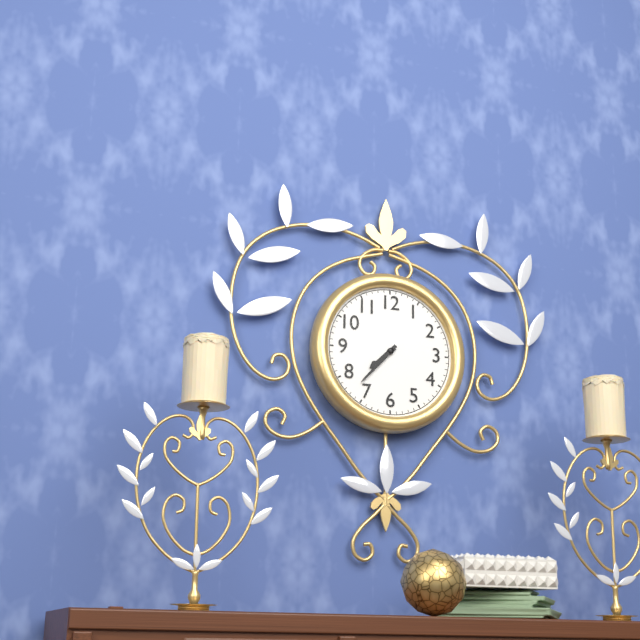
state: 7:37
